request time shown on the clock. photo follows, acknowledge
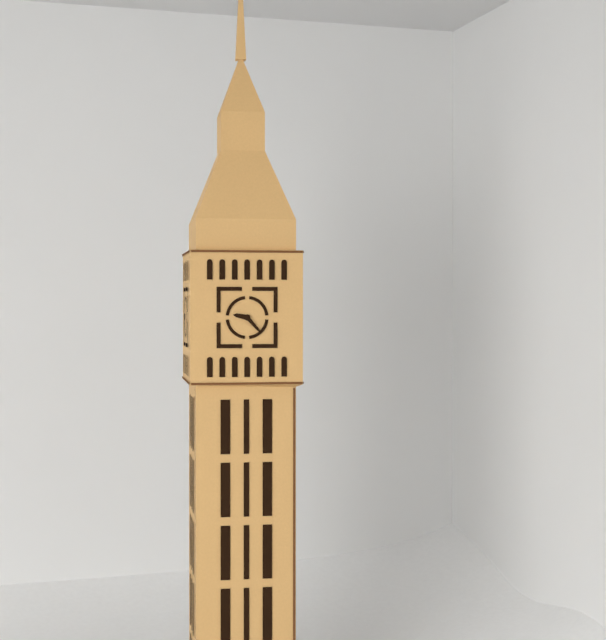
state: 9:23
